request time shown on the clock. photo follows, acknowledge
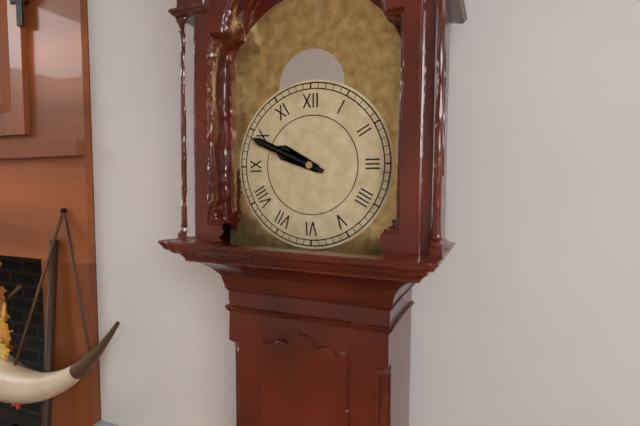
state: 9:49
